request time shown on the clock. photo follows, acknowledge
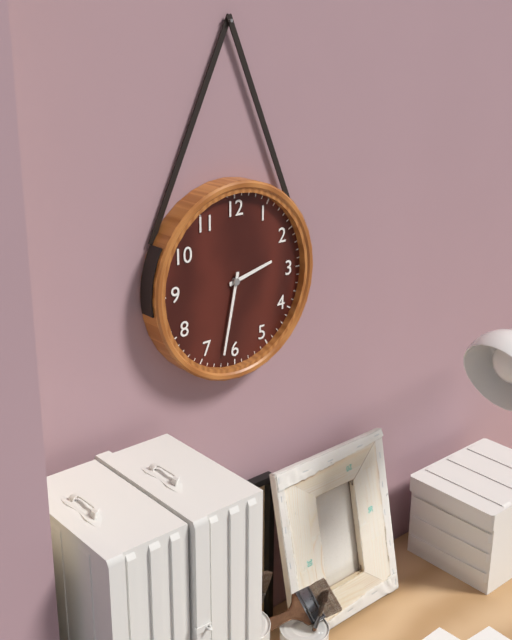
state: 2:32
